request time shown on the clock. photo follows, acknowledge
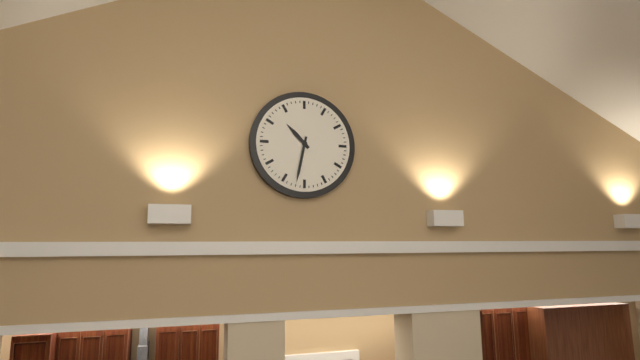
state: 10:32
